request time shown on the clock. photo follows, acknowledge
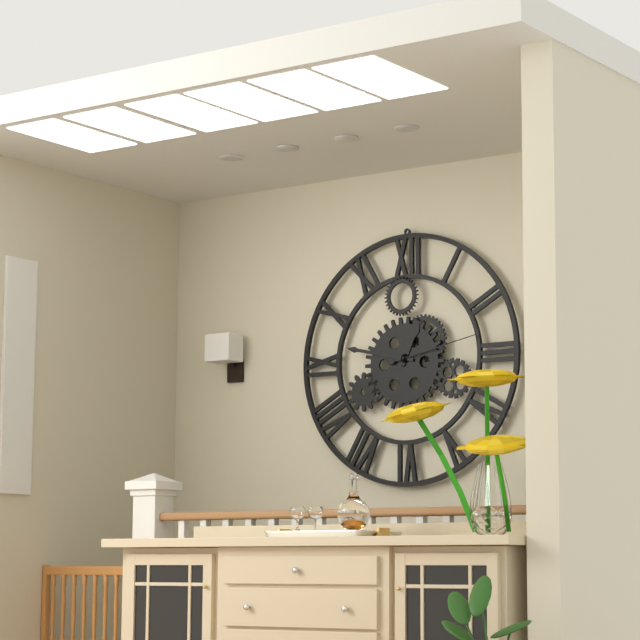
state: 12:47:13
